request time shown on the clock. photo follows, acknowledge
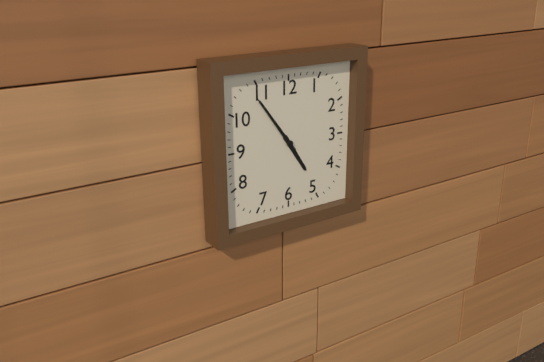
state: 4:54
